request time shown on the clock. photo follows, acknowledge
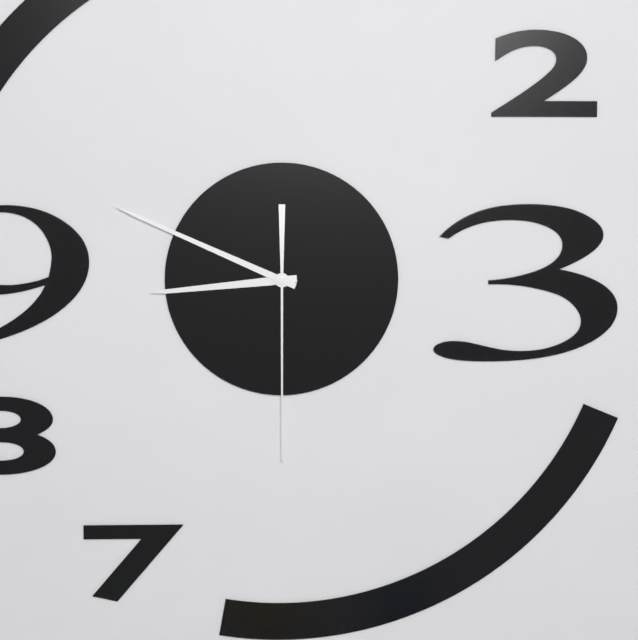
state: 8:49:30
